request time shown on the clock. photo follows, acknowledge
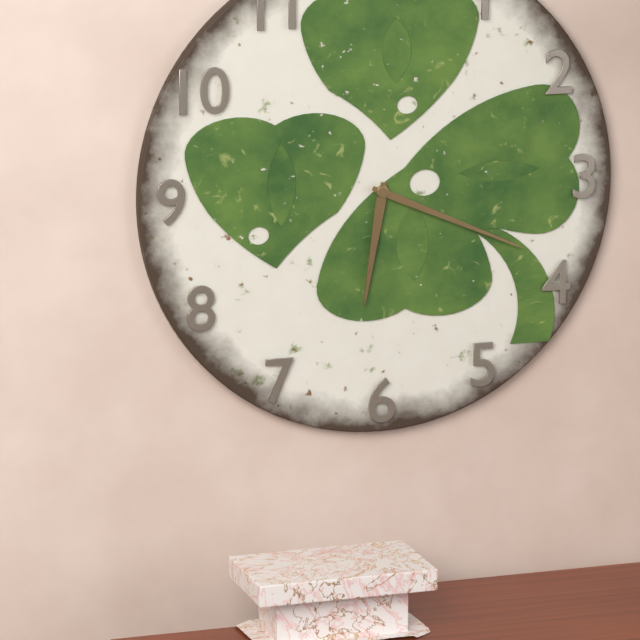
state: 6:19
